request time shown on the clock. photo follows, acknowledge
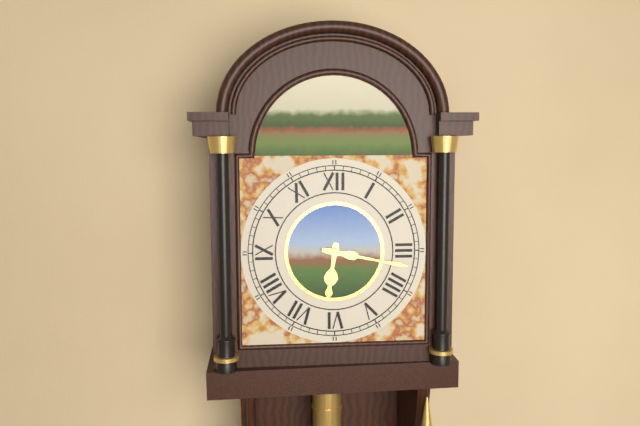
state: 6:17
